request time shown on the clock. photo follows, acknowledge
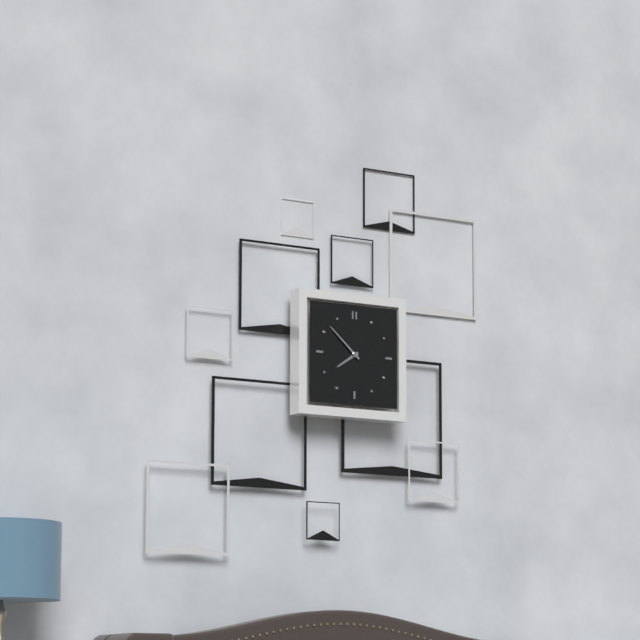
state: 7:52
